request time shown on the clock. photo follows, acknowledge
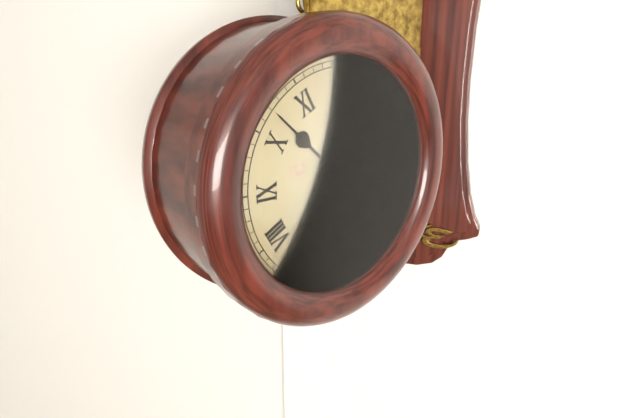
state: 2:52:30
